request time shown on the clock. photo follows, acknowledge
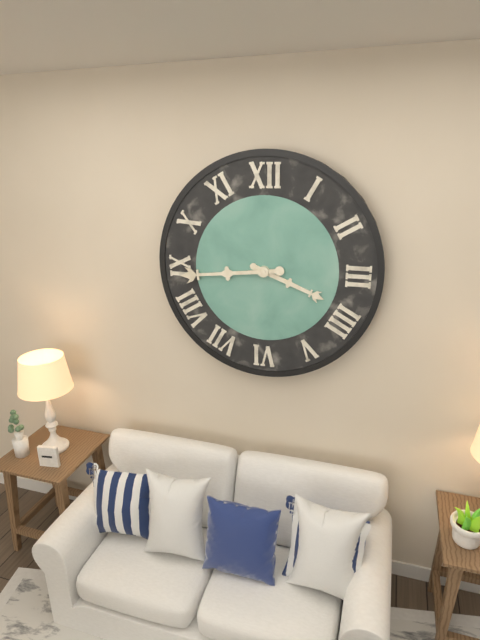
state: 3:44
